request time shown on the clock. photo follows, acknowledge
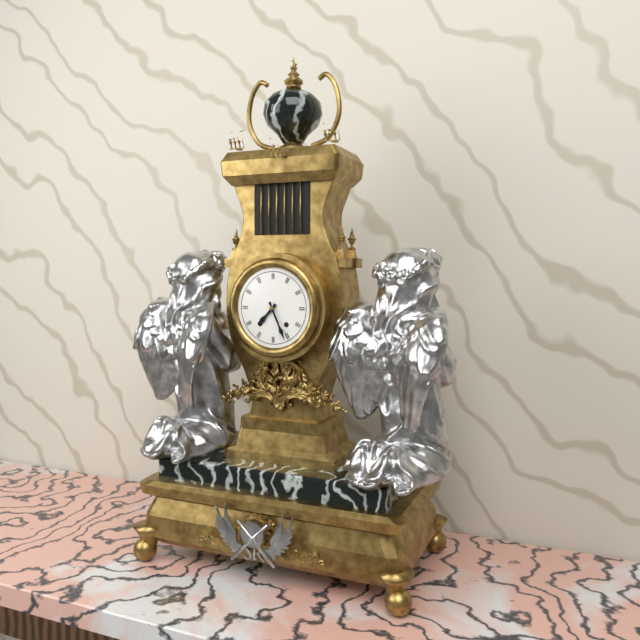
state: 7:26
